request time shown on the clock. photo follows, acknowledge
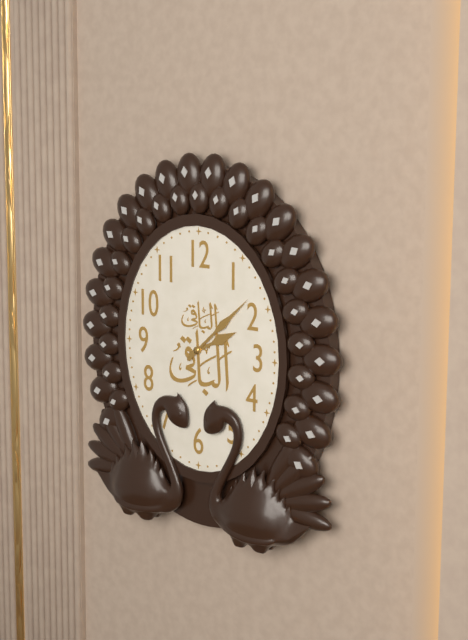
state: 2:08
